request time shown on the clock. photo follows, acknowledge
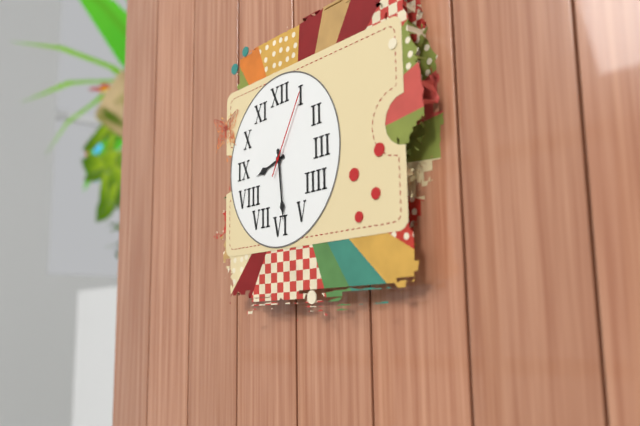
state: 8:29:05
